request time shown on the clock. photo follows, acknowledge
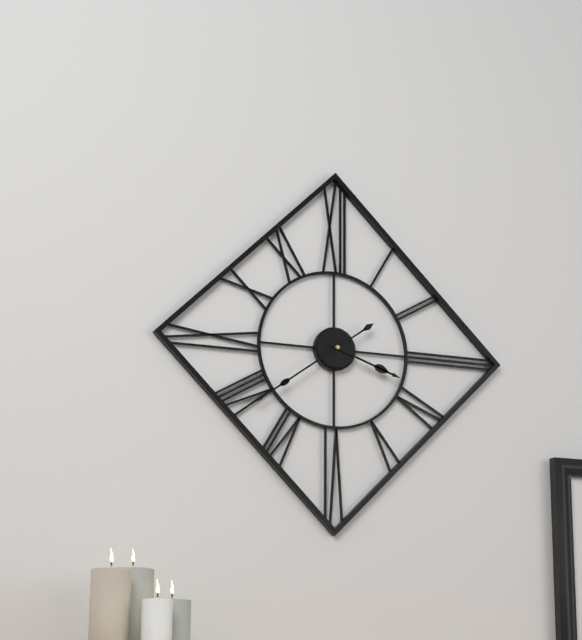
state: 3:39
